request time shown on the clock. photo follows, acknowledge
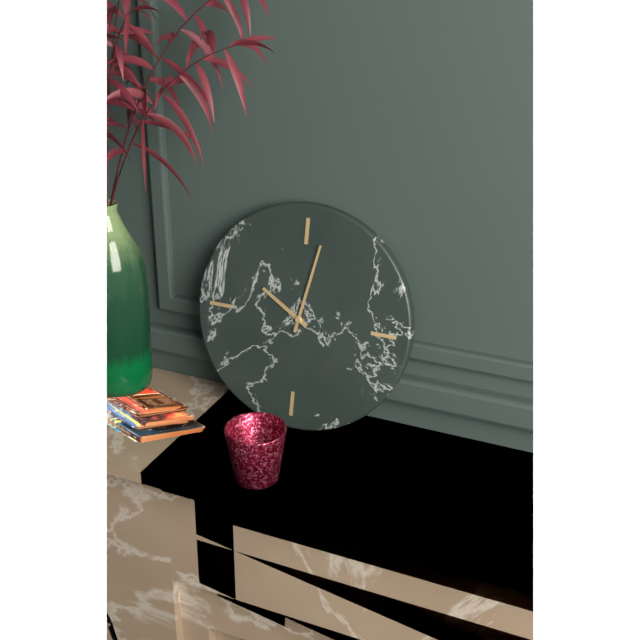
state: 10:02
